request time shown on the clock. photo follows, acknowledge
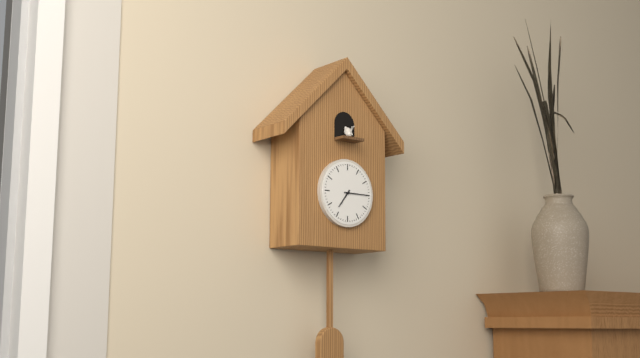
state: 7:15
